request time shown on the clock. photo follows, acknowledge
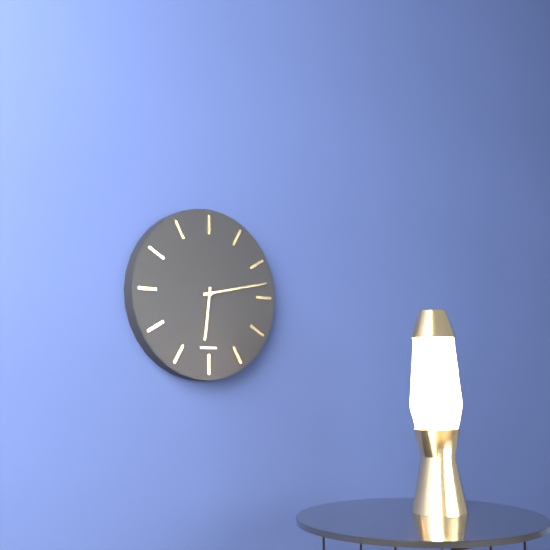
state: 6:13
